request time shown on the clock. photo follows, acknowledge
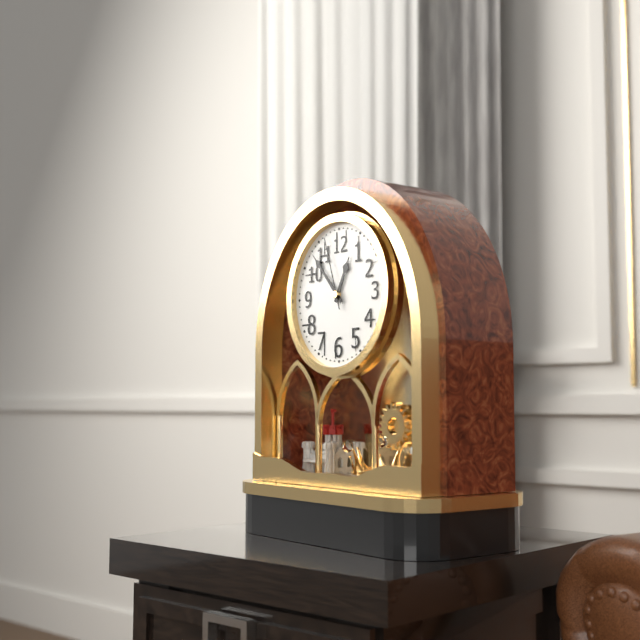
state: 12:53:57
